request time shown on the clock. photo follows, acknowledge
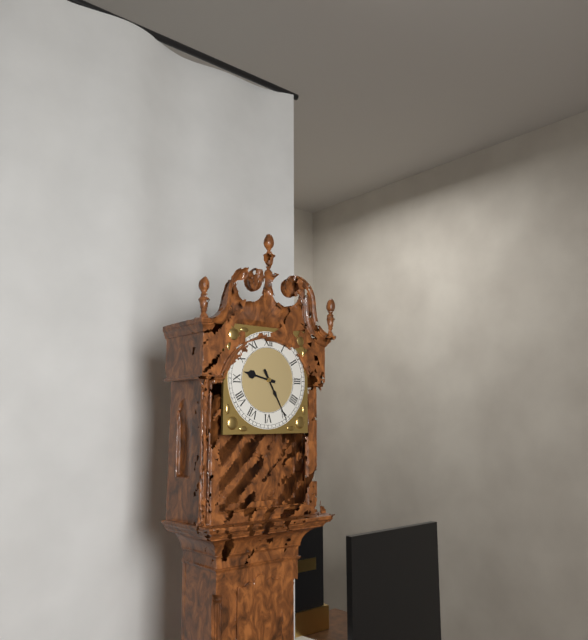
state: 9:25
